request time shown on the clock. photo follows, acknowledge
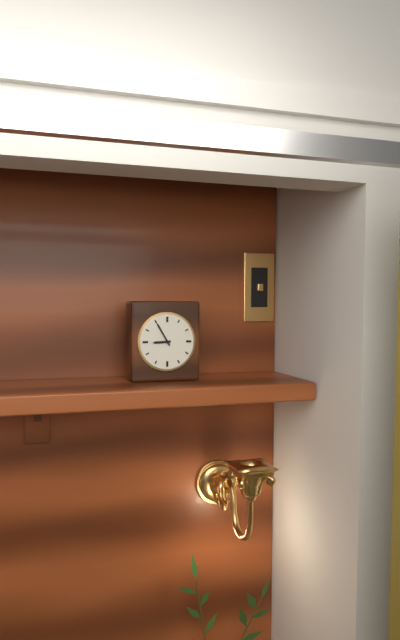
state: 8:55
